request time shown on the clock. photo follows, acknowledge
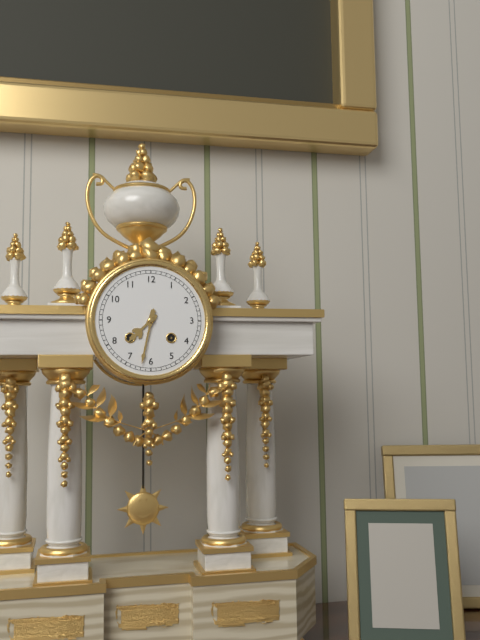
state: 7:32
